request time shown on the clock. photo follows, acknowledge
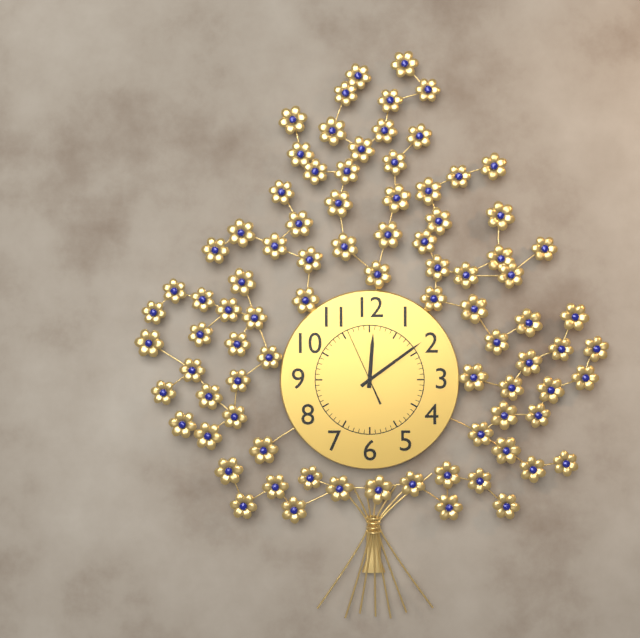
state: 12:09:56
